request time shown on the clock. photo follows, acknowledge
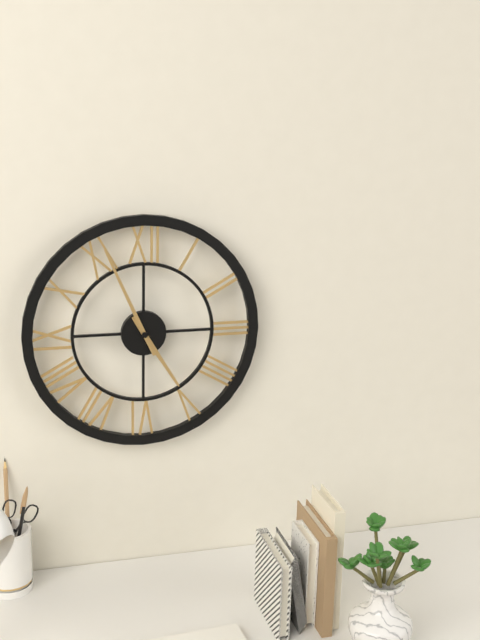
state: 4:56
